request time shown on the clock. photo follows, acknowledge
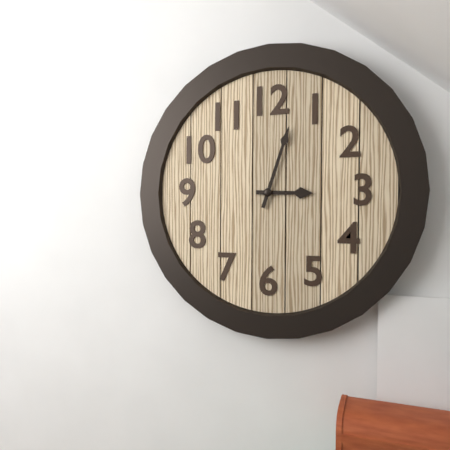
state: 3:03
